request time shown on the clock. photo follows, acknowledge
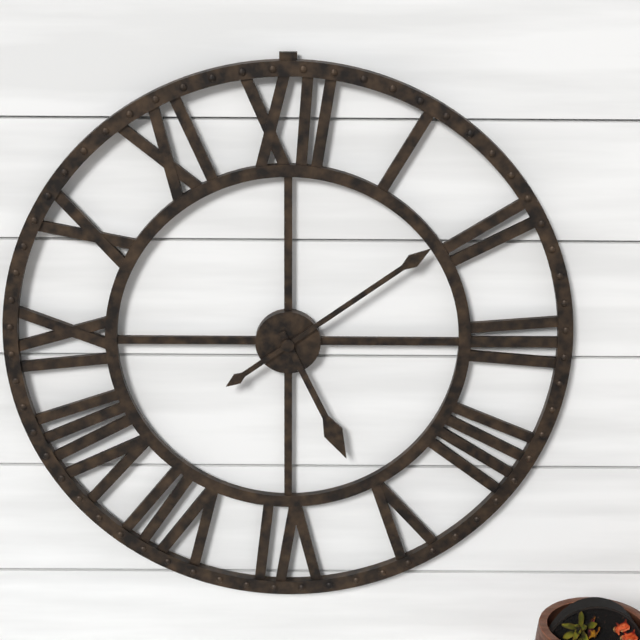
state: 5:09
